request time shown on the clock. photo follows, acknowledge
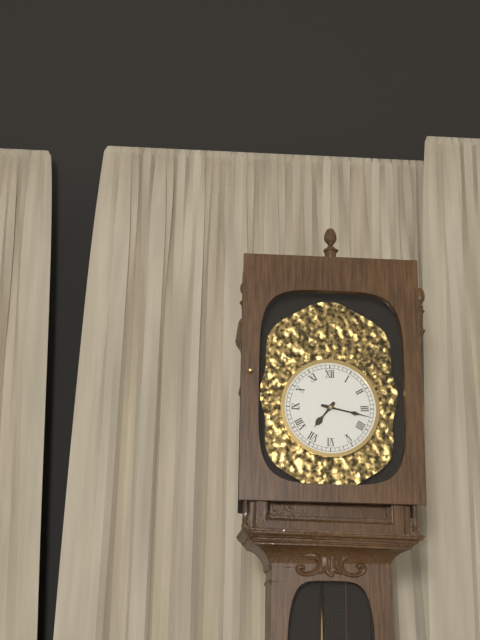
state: 7:17
